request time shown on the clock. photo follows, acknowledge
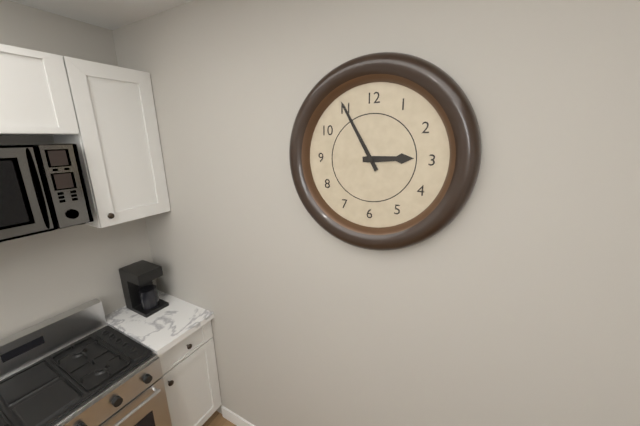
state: 2:55
